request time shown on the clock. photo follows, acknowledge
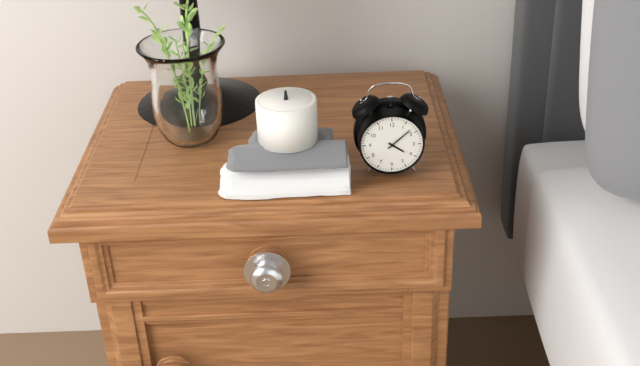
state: 4:08
